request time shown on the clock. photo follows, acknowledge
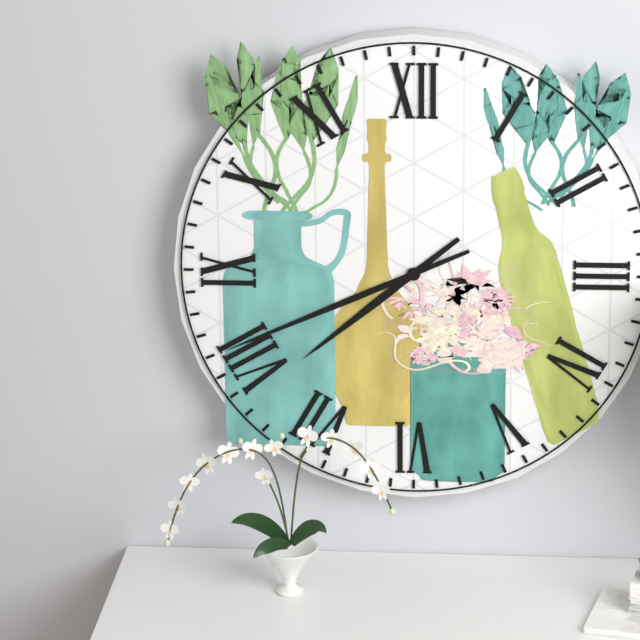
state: 7:41
